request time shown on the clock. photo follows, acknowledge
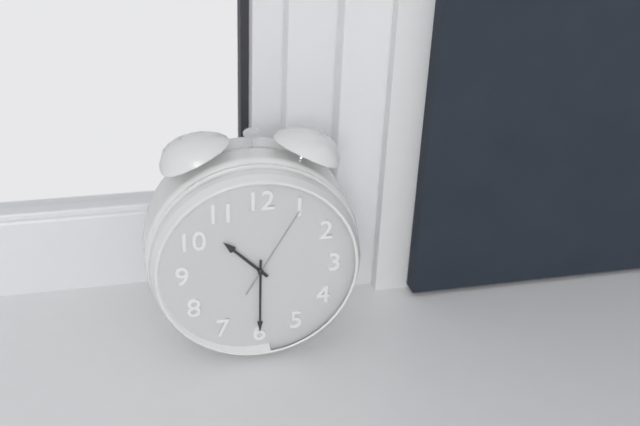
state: 10:30:05
